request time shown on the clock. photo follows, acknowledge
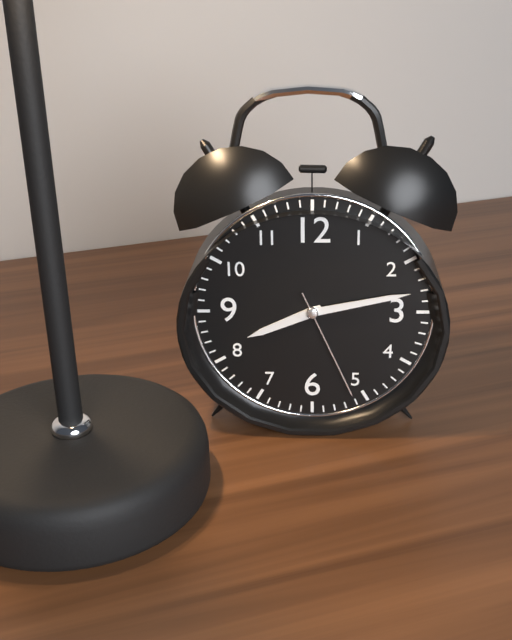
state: 8:13:26
